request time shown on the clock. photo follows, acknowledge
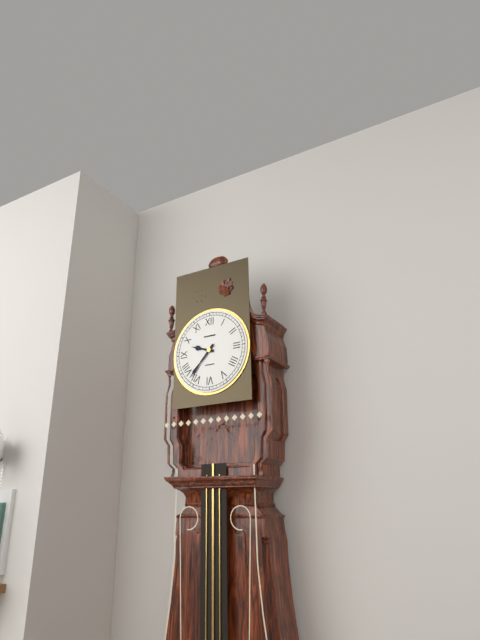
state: 9:37
